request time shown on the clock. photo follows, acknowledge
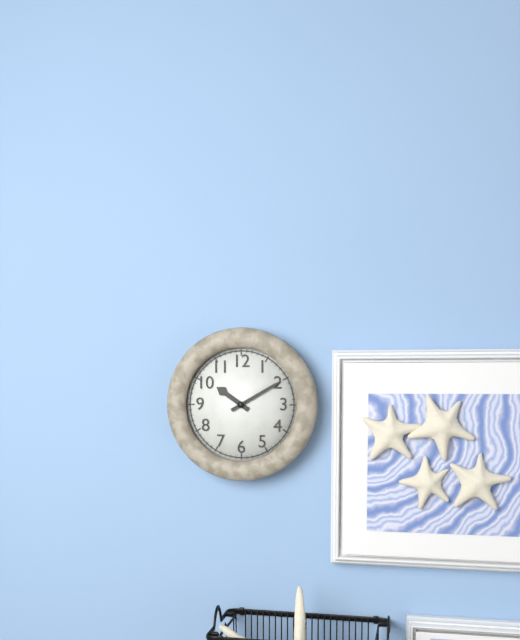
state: 10:10
